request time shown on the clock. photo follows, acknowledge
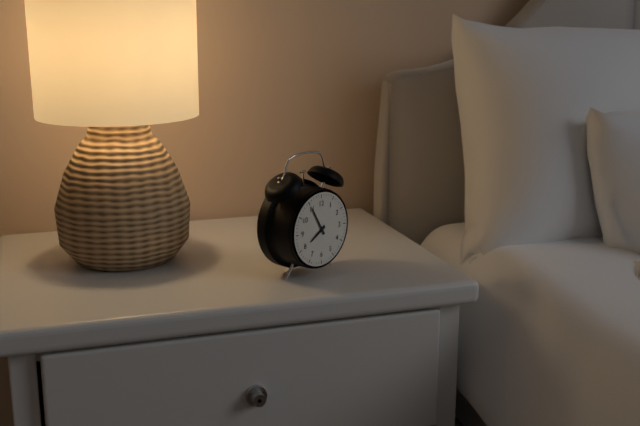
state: 7:55
